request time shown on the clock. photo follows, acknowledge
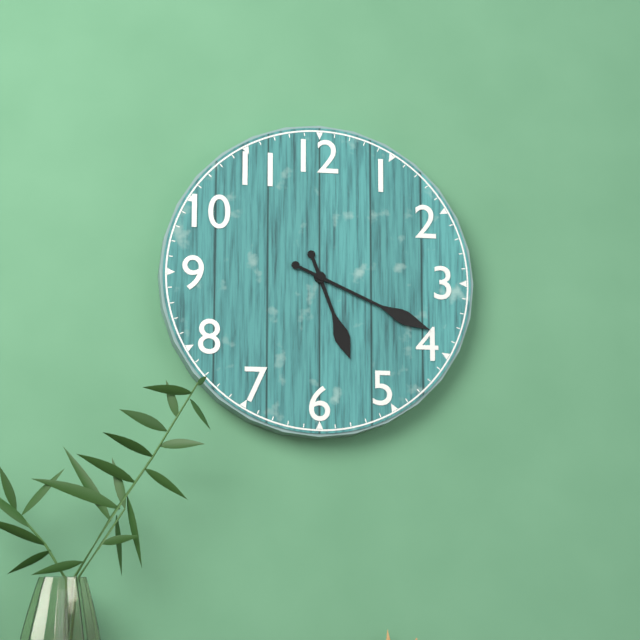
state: 5:19
